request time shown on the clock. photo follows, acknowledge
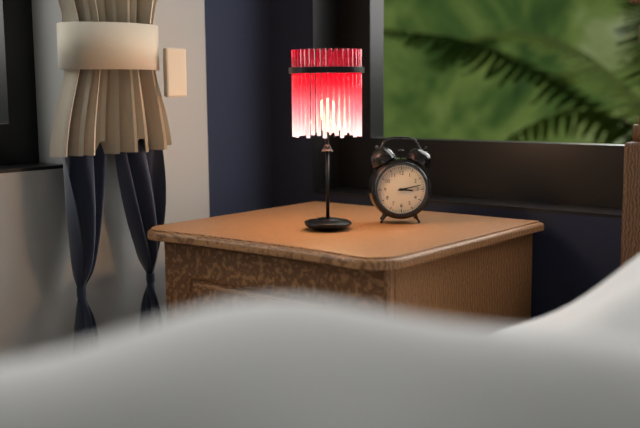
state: 3:13
